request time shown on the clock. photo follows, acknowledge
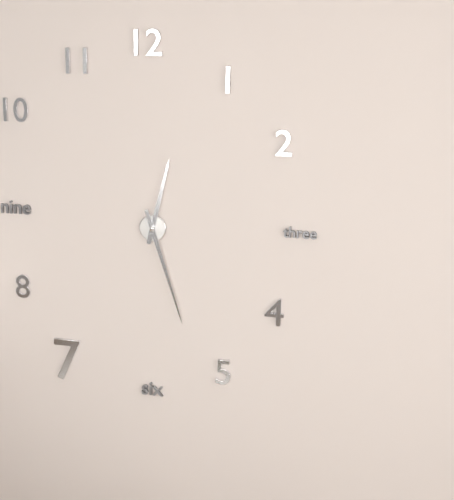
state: 12:27
